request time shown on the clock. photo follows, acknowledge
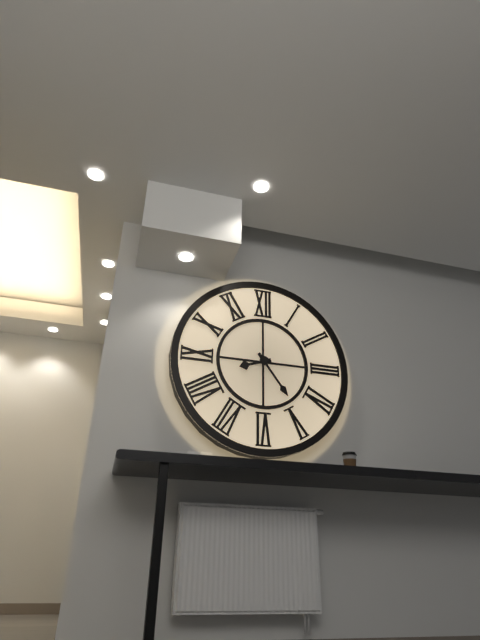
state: 8:24
